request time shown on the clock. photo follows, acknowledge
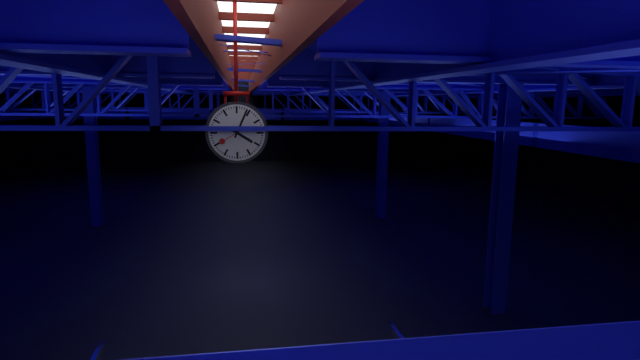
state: 4:04
